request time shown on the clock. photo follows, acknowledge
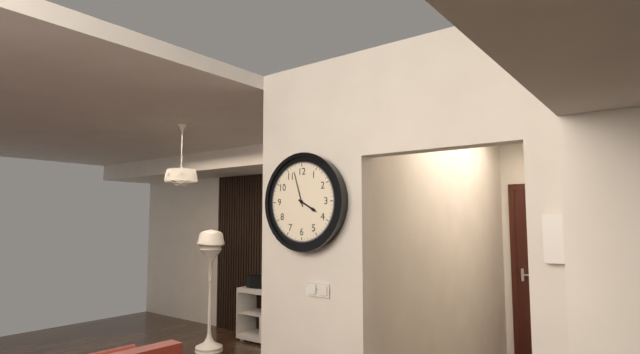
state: 3:57
